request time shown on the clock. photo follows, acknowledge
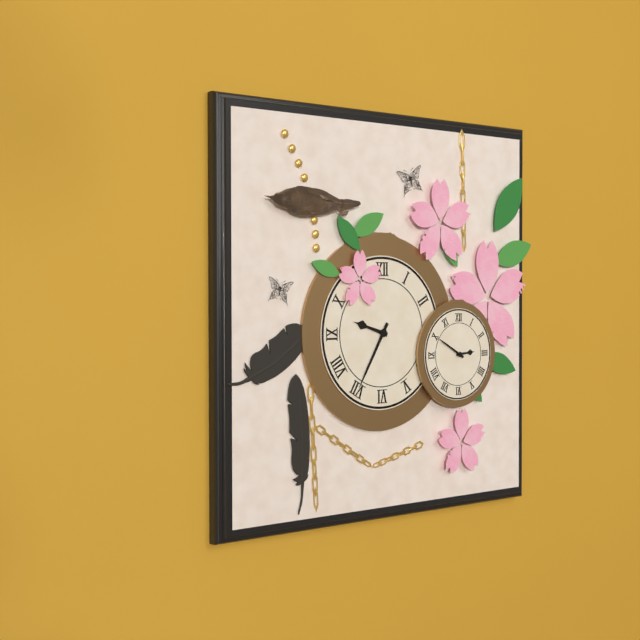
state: 9:35
